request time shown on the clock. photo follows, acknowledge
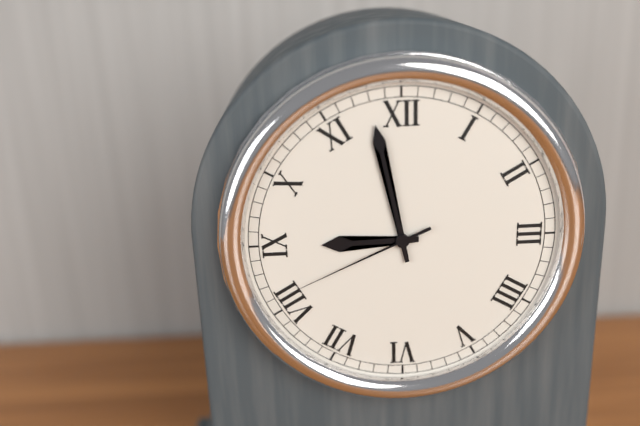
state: 8:58:41
